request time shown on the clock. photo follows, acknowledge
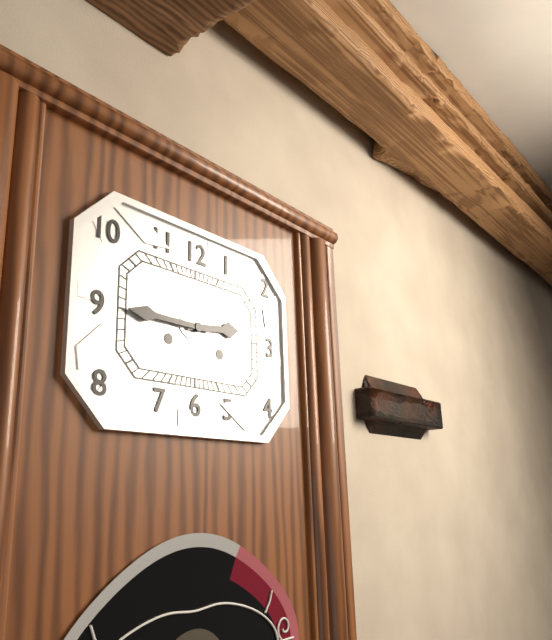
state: 2:45
